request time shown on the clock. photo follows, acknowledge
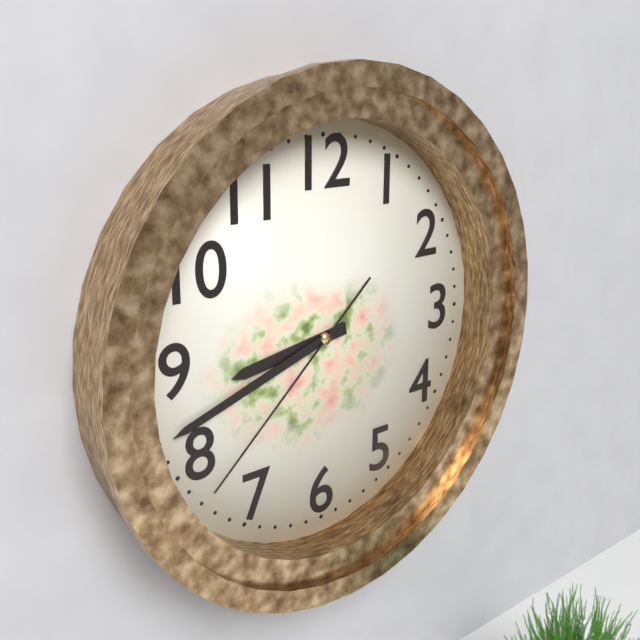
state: 8:42:38
